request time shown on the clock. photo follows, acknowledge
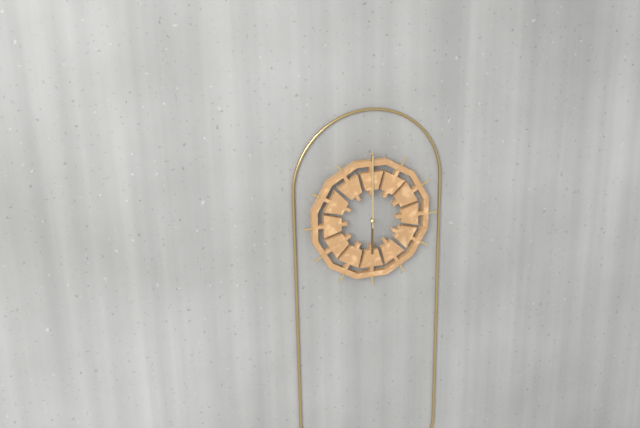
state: 6:00
